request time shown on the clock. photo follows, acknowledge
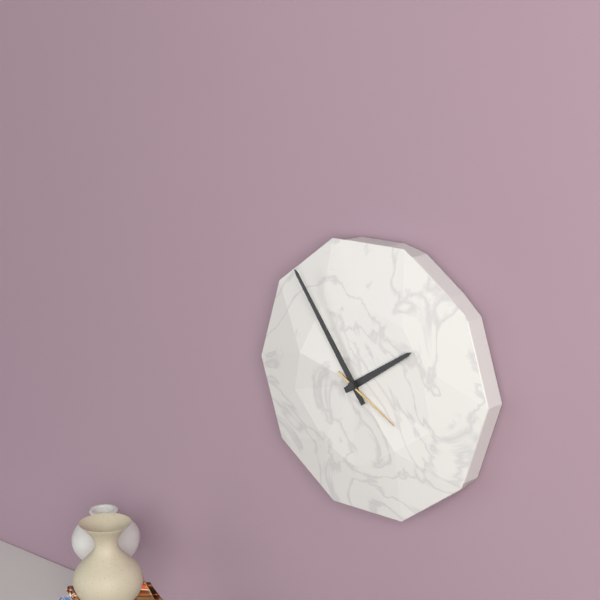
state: 1:54:20
